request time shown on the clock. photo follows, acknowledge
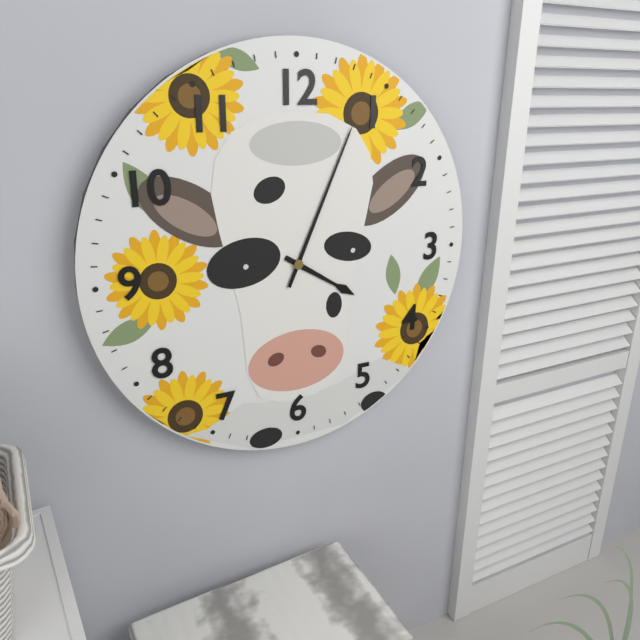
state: 4:04
